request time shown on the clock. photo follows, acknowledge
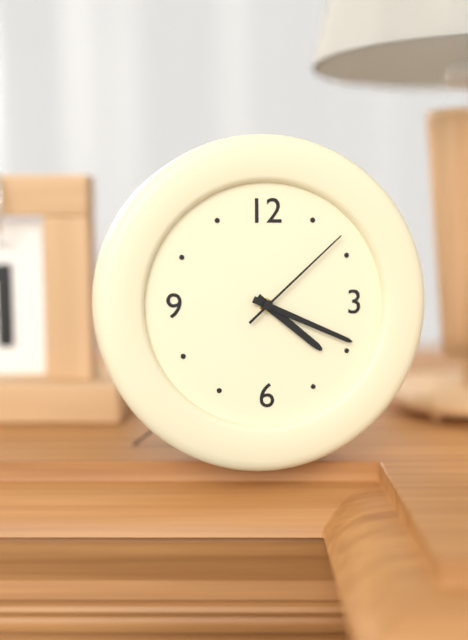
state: 4:19:08
